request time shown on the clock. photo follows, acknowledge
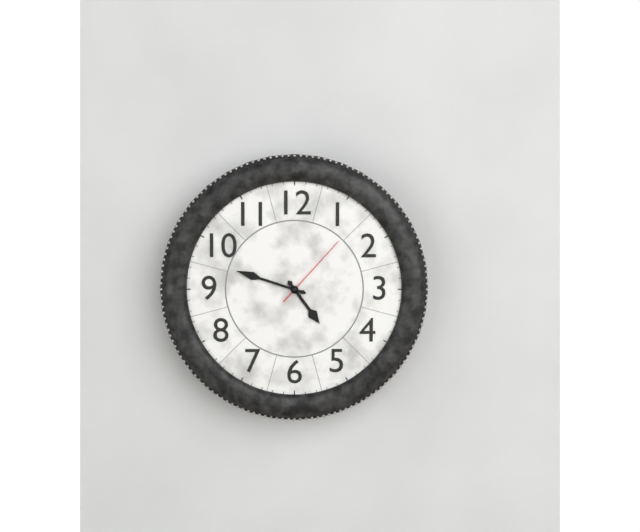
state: 4:48:07
